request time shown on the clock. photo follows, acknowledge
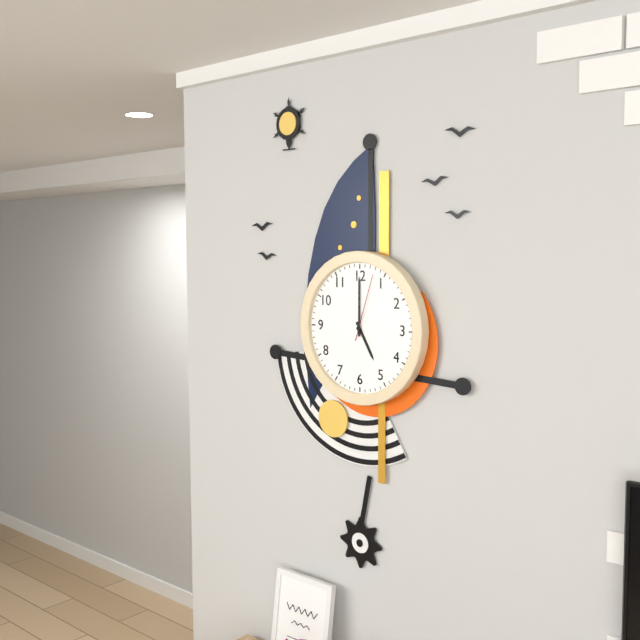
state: 5:00:03
